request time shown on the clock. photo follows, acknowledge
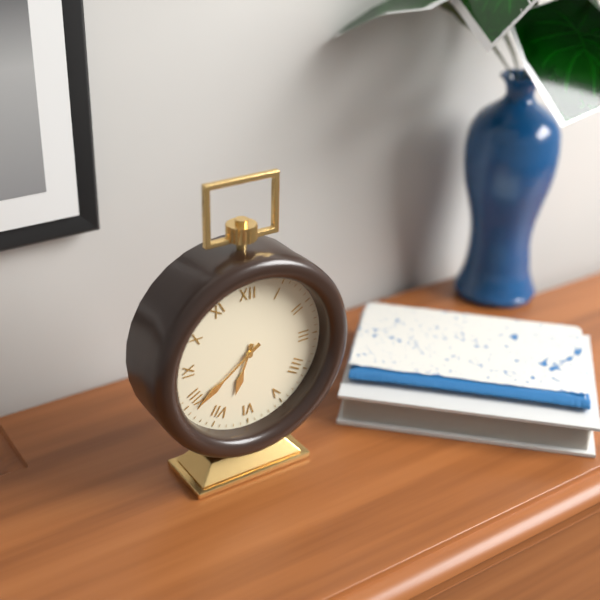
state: 6:39
